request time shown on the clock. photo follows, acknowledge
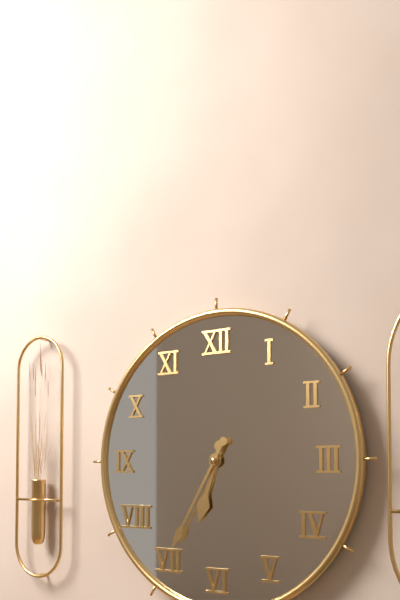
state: 6:35
